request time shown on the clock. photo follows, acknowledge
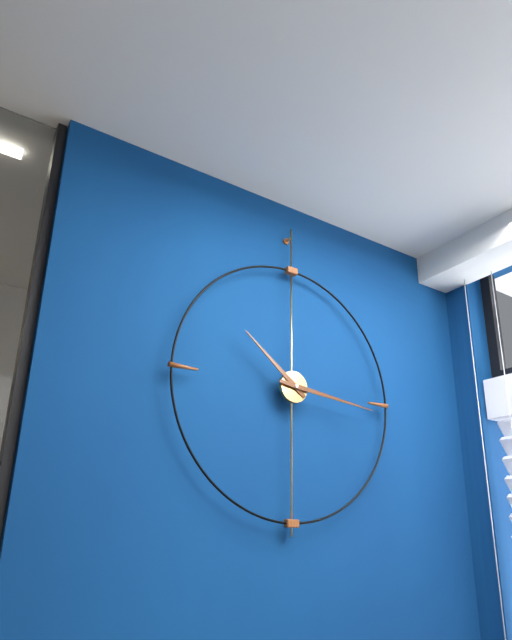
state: 10:16
